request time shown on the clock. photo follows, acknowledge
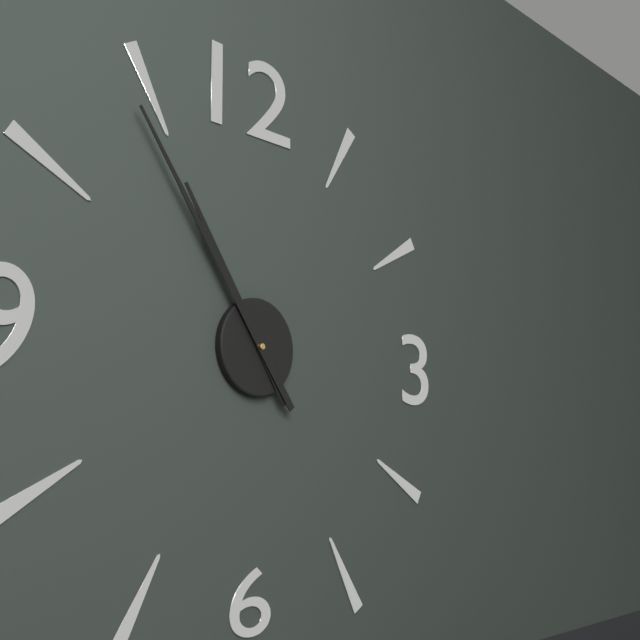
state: 10:54
